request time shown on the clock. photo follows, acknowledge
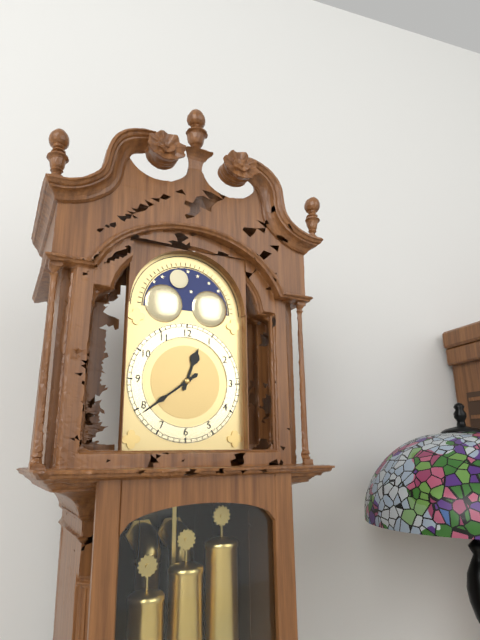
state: 12:39
